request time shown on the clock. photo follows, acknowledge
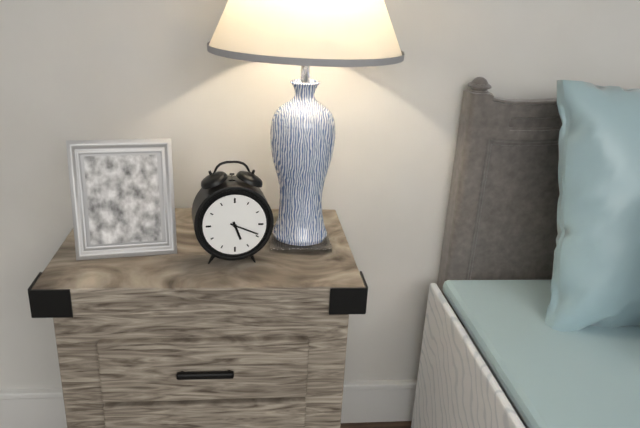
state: 5:19
